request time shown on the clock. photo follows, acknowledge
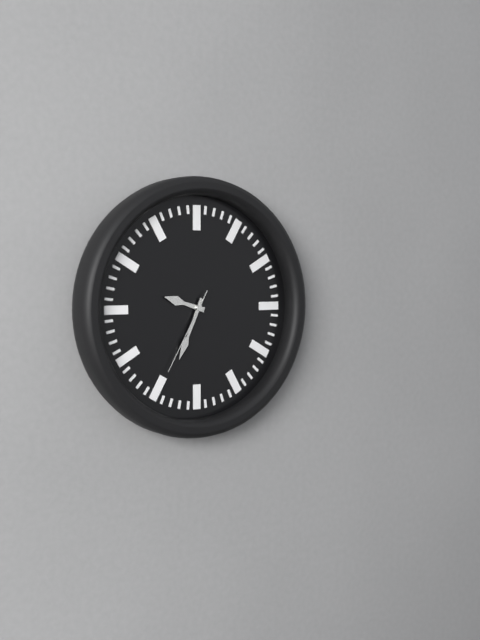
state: 9:34:35
